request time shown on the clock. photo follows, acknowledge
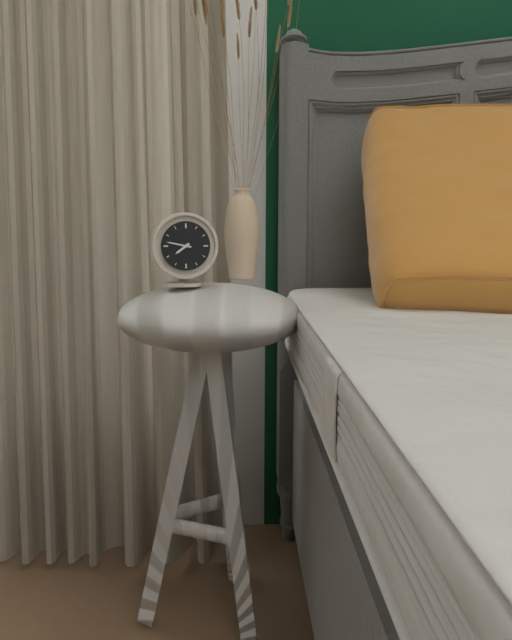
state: 7:47
